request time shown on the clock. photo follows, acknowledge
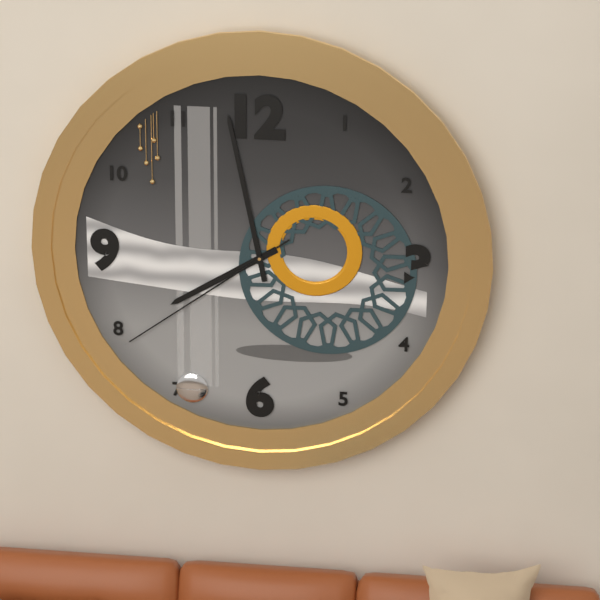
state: 7:58:39
